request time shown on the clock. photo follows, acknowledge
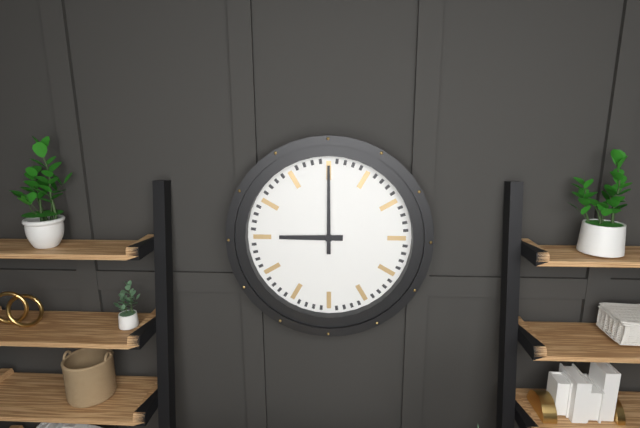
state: 9:00
